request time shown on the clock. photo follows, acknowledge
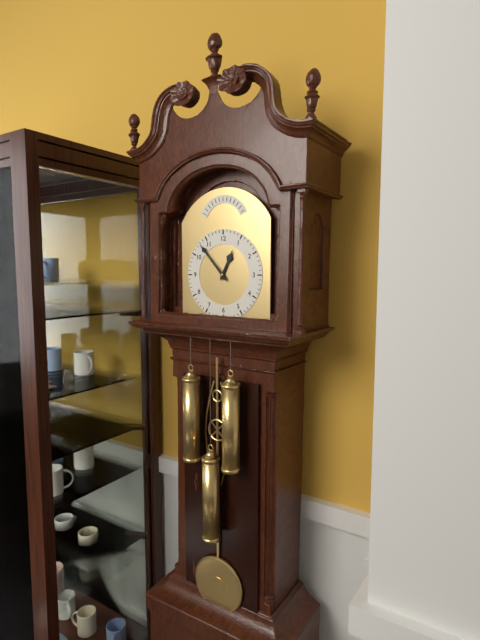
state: 12:53
